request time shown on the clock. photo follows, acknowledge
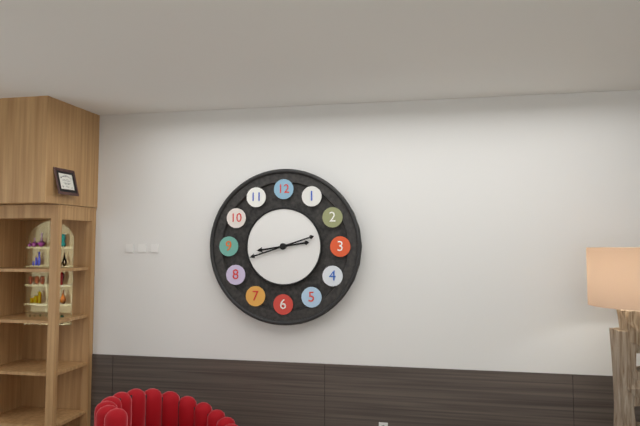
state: 8:42
